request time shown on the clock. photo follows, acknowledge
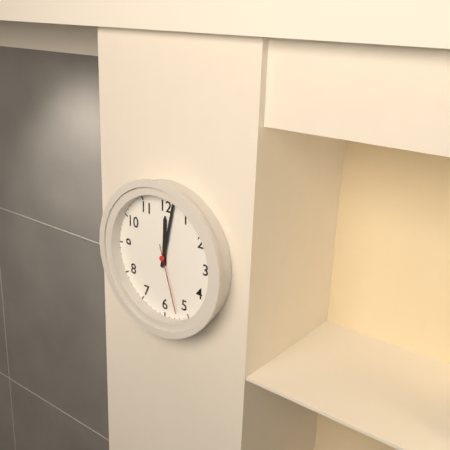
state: 12:02:27
